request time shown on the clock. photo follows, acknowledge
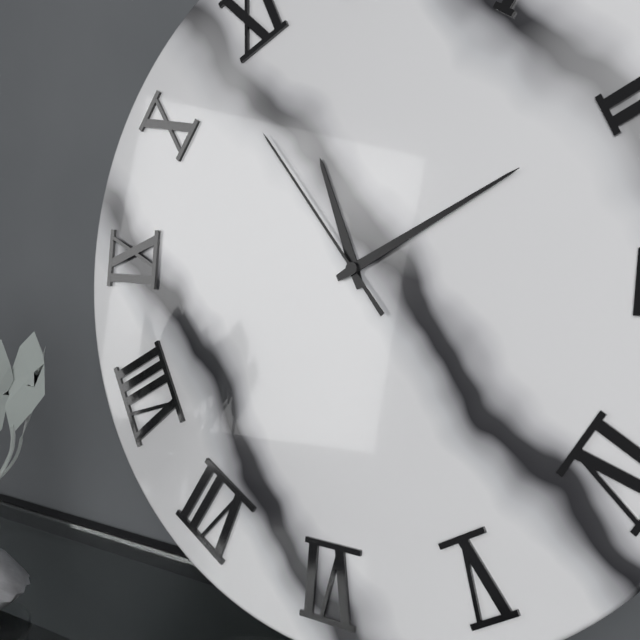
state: 11:10:53
